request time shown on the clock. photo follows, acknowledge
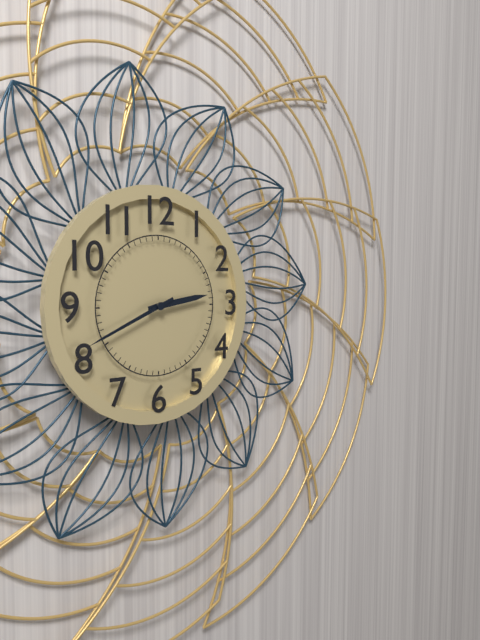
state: 2:41
